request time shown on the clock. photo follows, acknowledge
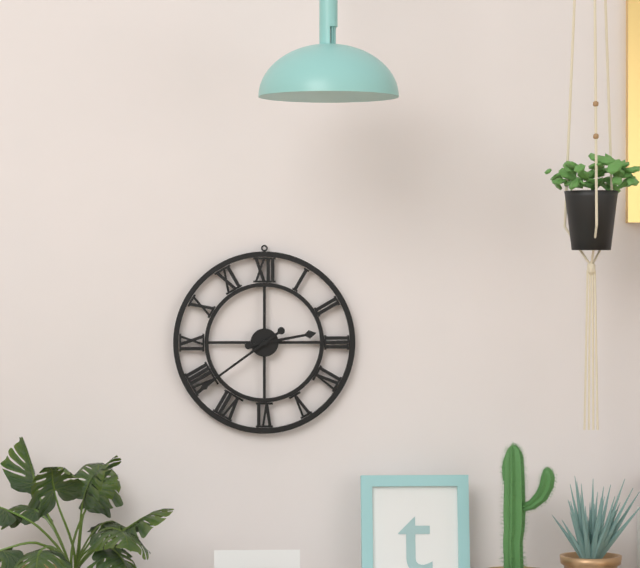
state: 2:39
